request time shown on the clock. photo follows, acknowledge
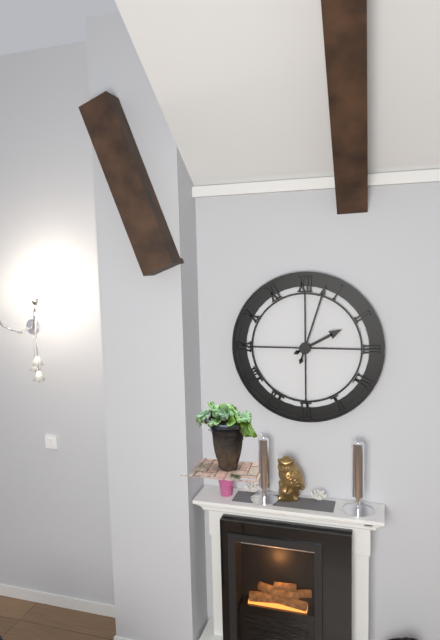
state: 2:03
